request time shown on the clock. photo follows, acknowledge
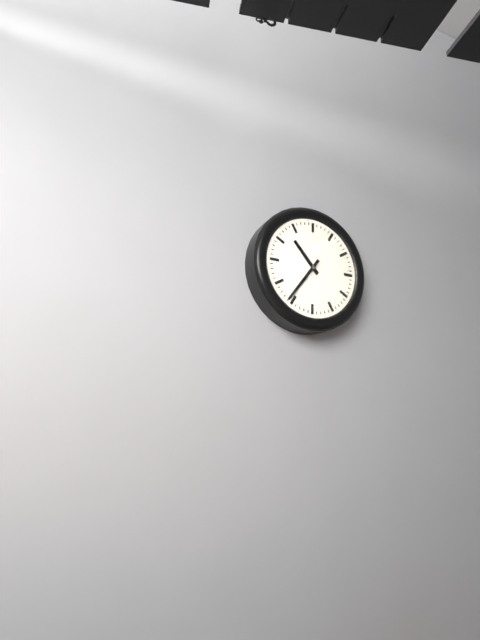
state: 10:36
